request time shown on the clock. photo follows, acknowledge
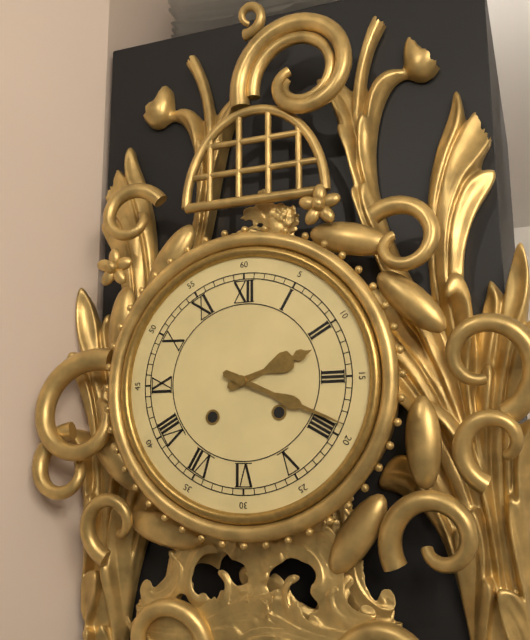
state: 2:19
